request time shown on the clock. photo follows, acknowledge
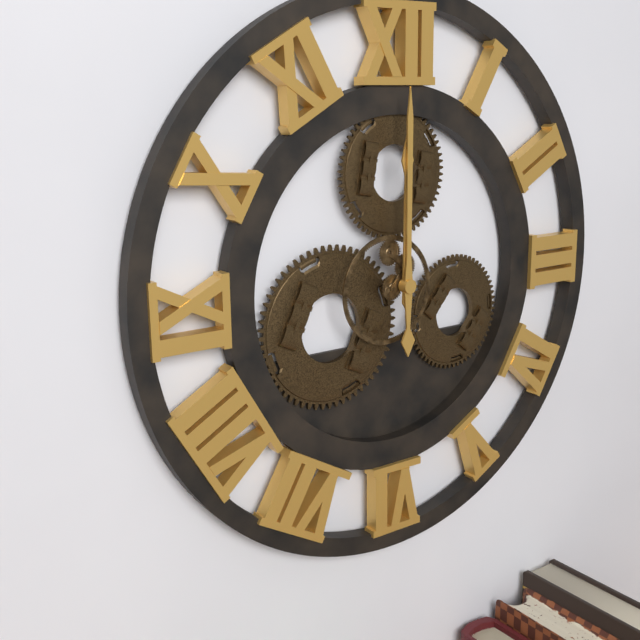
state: 12:00
